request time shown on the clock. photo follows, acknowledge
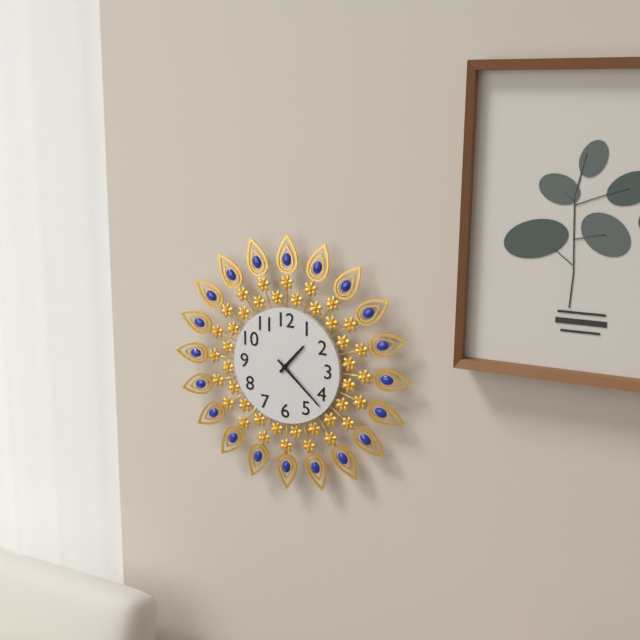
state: 1:22
